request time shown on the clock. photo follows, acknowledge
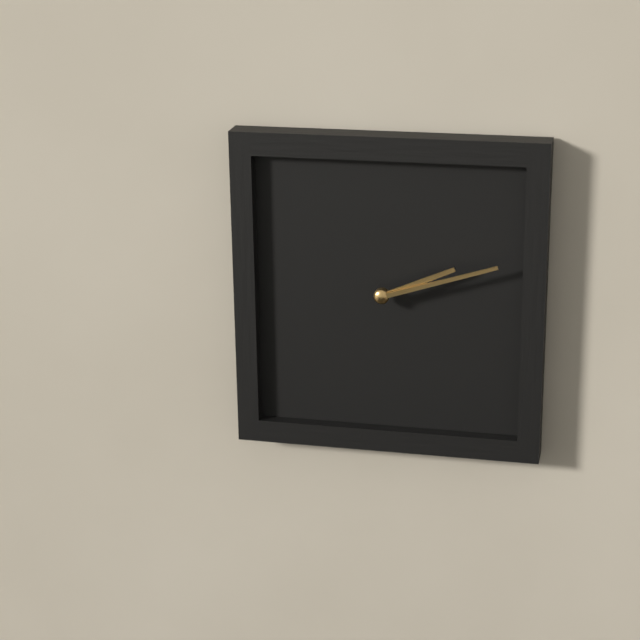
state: 2:12
